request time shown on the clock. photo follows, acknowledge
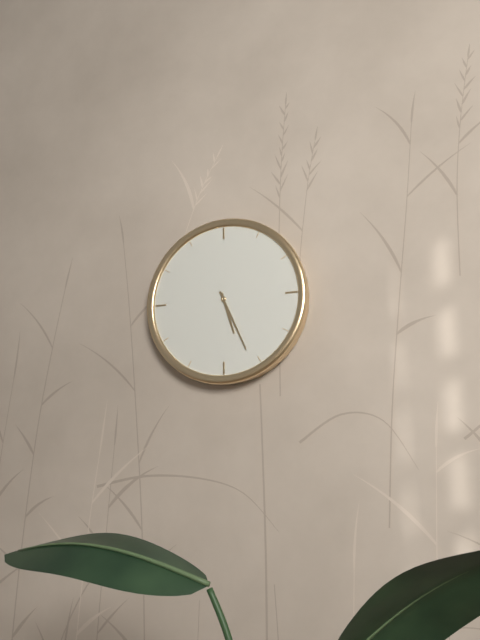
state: 5:26
